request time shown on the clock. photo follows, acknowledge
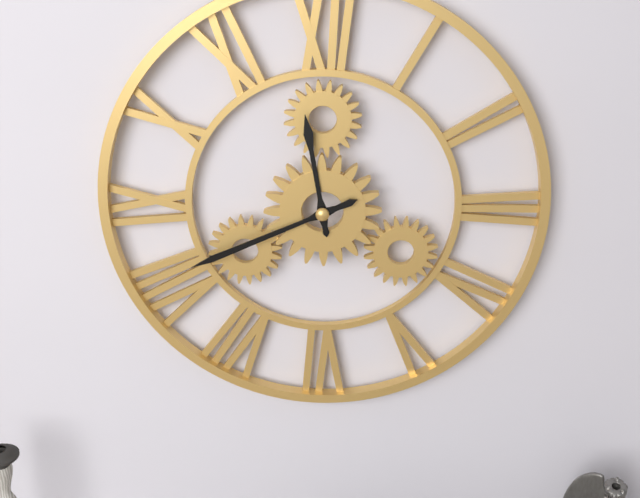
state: 11:41
